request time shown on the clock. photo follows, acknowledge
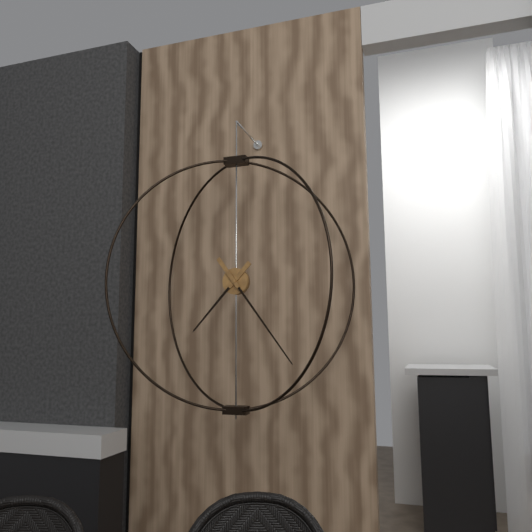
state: 7:24
